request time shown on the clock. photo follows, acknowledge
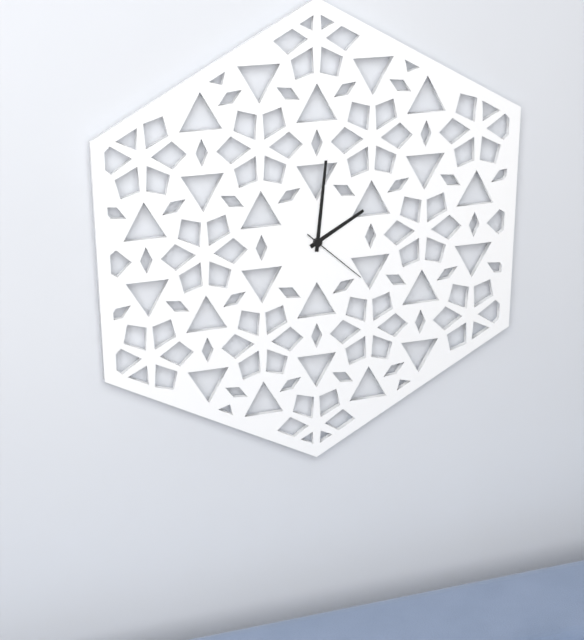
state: 2:01:22
